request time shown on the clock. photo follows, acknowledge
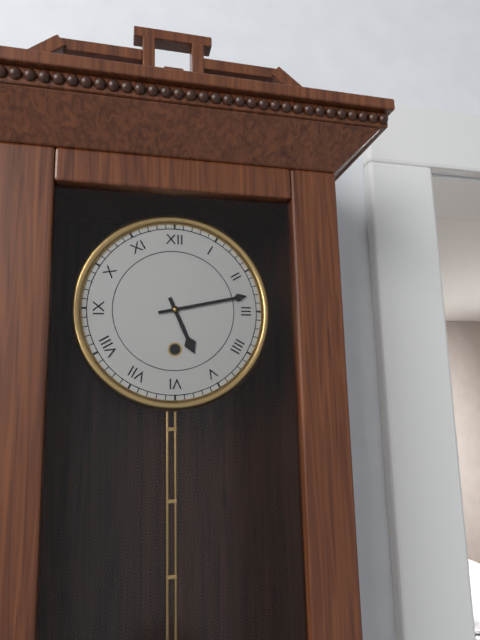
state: 5:13
